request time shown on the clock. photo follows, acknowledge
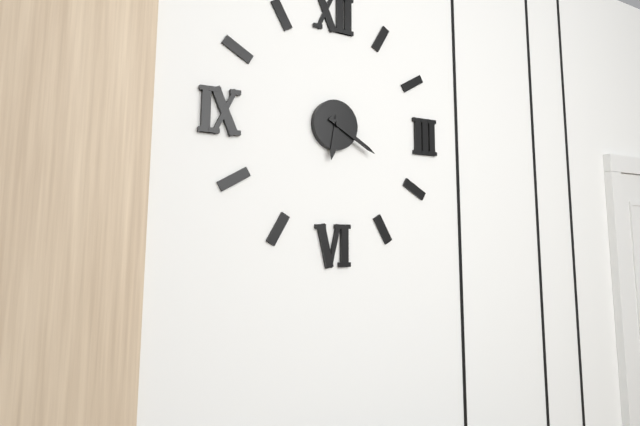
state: 6:20
